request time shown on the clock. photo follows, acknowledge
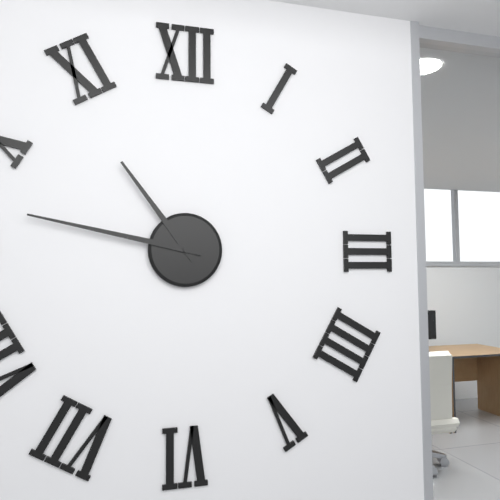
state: 10:47
